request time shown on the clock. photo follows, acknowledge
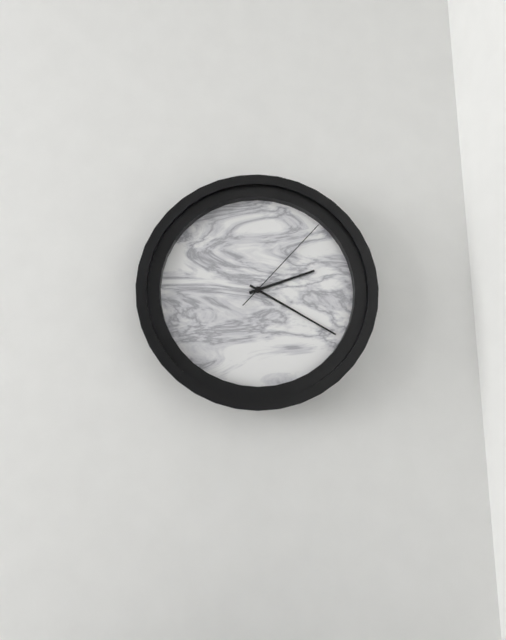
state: 2:20:07
